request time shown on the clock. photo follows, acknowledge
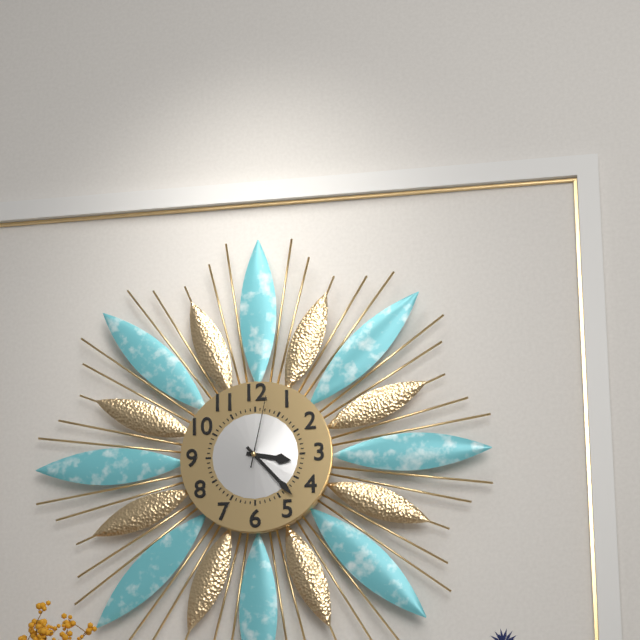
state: 3:23:02
